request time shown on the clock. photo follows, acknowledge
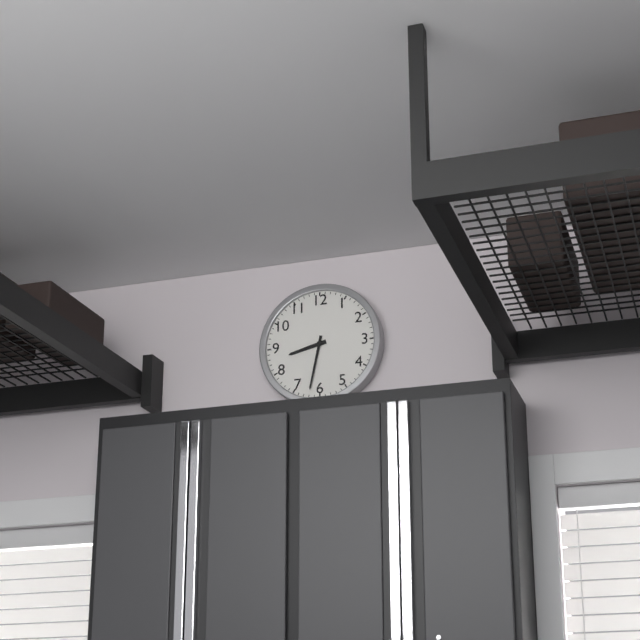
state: 8:32
